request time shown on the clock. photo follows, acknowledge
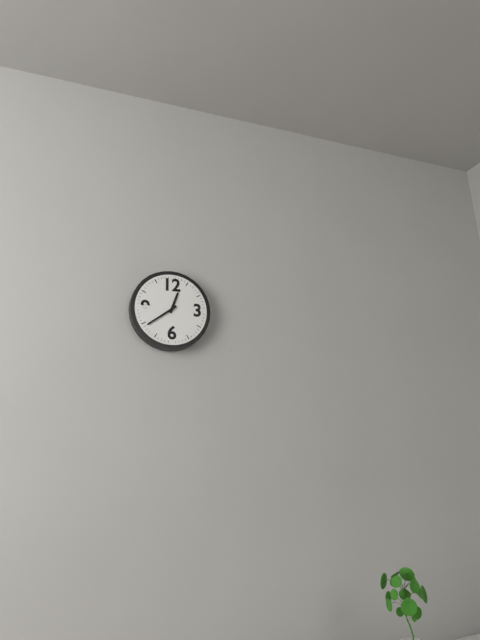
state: 12:39
